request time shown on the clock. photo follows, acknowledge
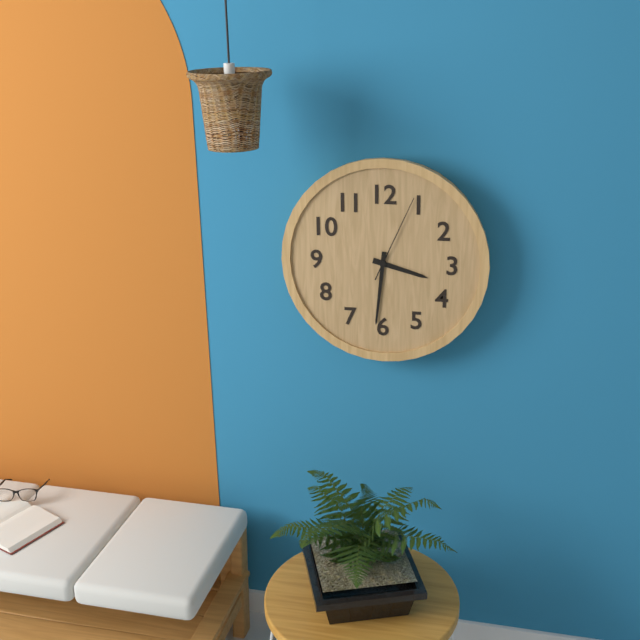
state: 3:31:04
